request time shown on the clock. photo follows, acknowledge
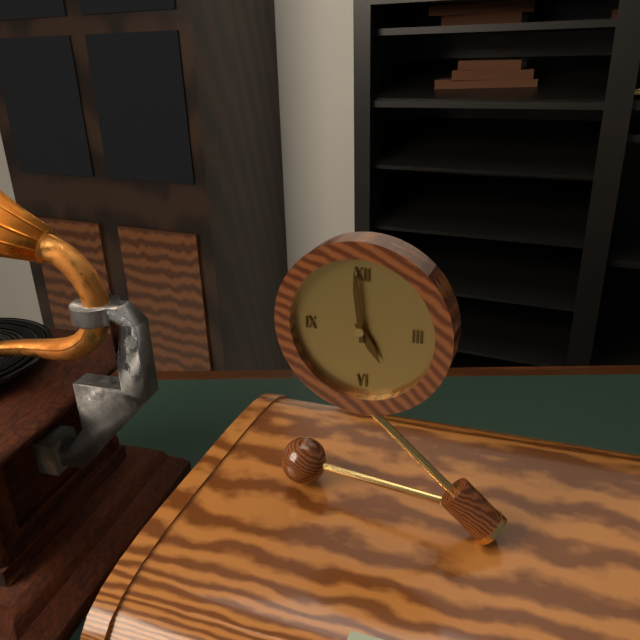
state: 4:59
